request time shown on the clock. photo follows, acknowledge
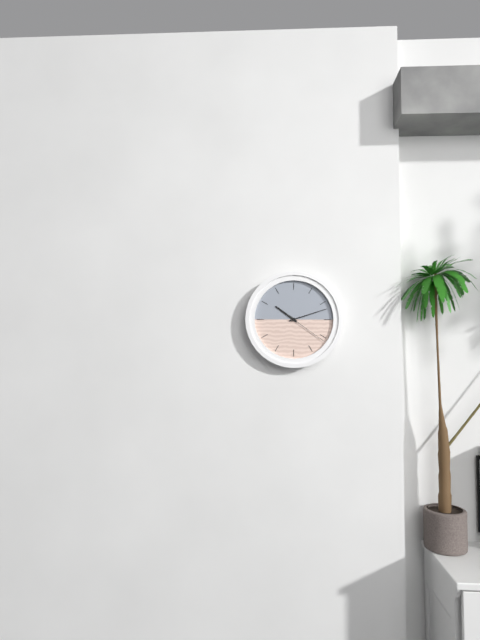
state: 10:12
